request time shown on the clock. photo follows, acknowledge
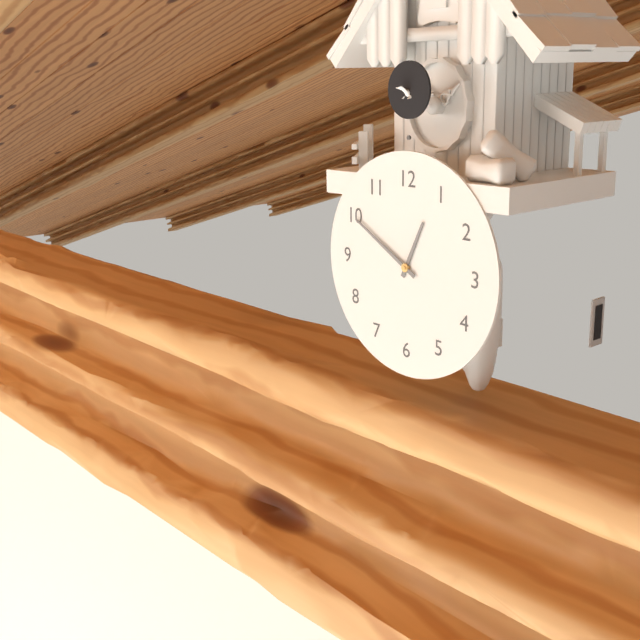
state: 12:50
